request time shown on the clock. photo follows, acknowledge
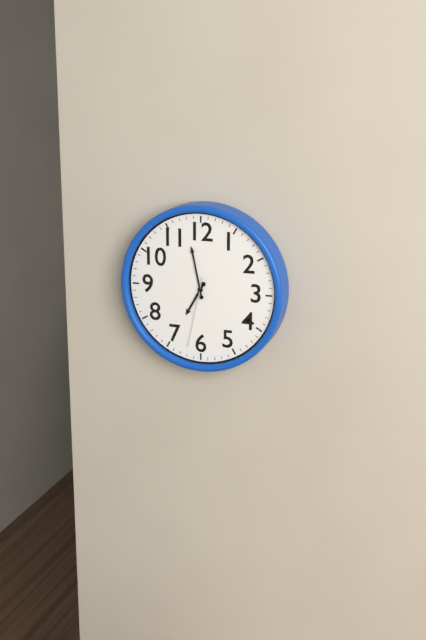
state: 6:58:32
